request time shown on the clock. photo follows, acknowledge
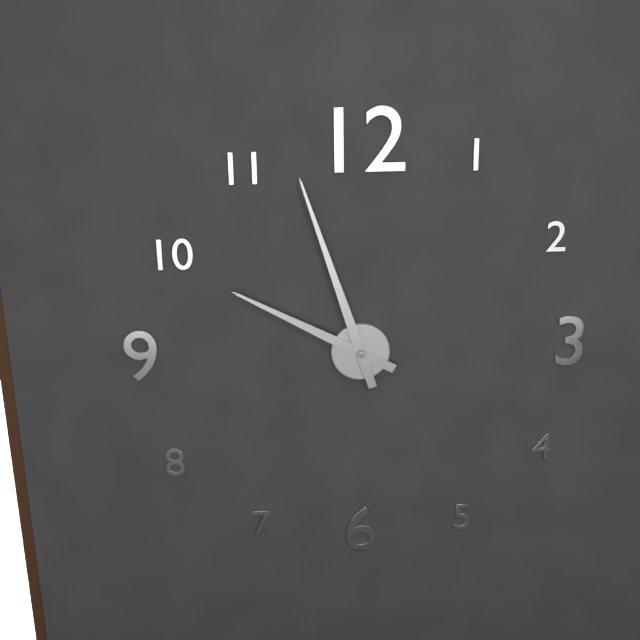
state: 9:57
